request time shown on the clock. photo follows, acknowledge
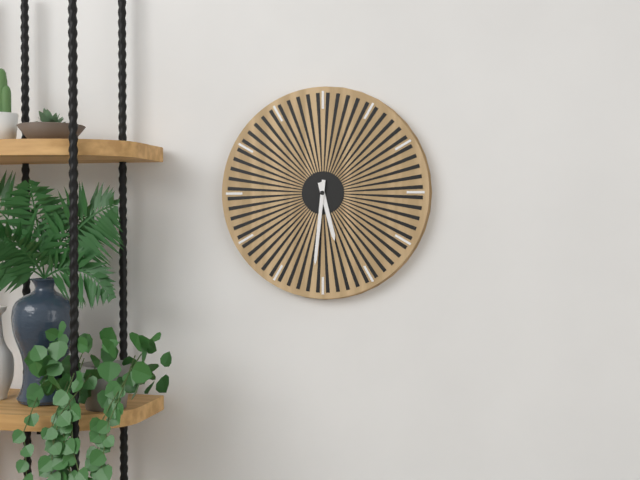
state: 5:31
